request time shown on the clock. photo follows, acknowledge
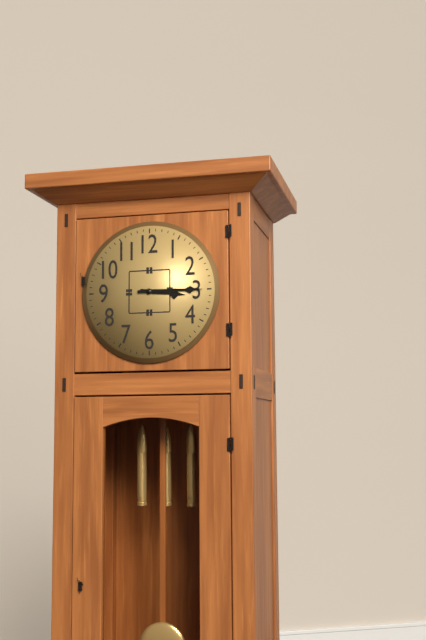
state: 3:15
